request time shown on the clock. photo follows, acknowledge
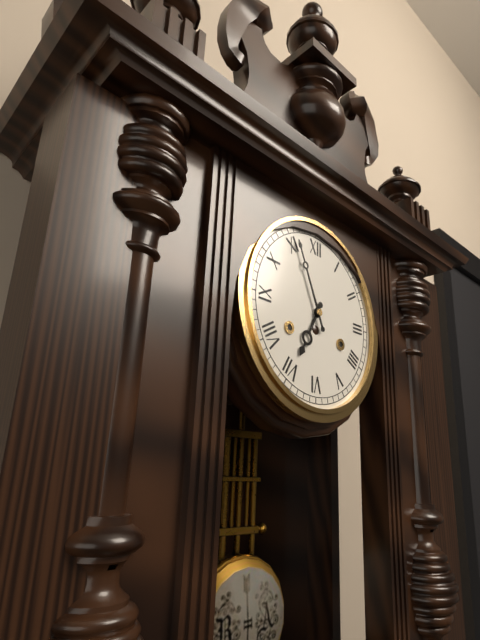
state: 6:56
